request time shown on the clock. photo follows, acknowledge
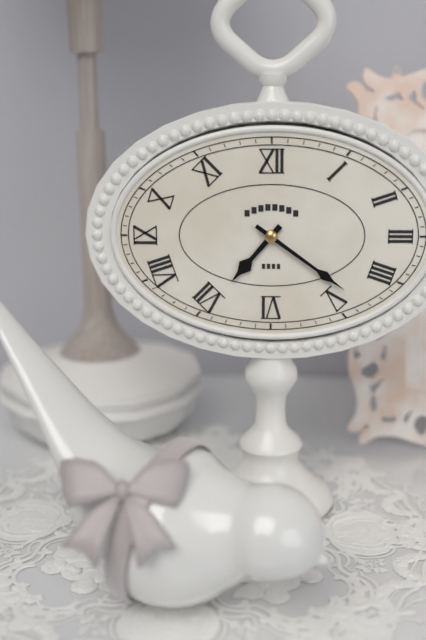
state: 7:21
